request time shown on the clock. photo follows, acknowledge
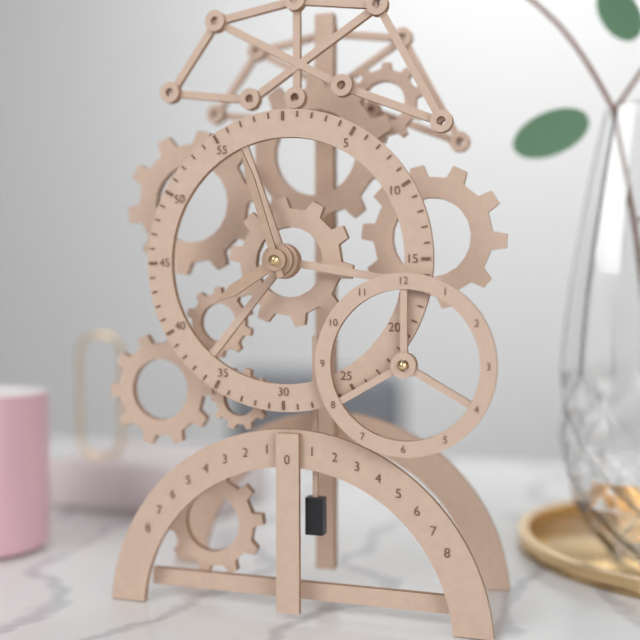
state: 7:57
